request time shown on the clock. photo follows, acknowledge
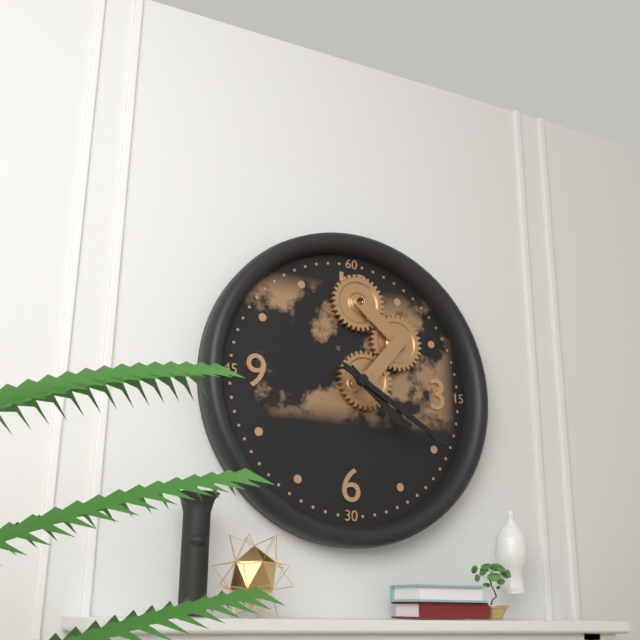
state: 4:20
